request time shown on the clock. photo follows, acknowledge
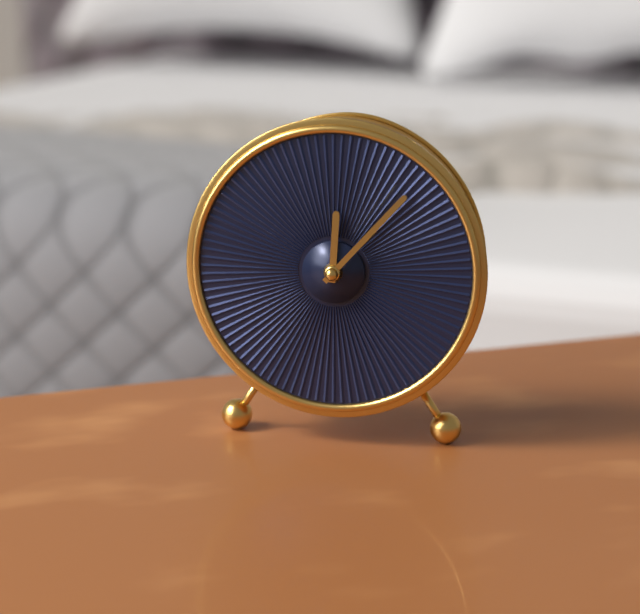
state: 12:07
